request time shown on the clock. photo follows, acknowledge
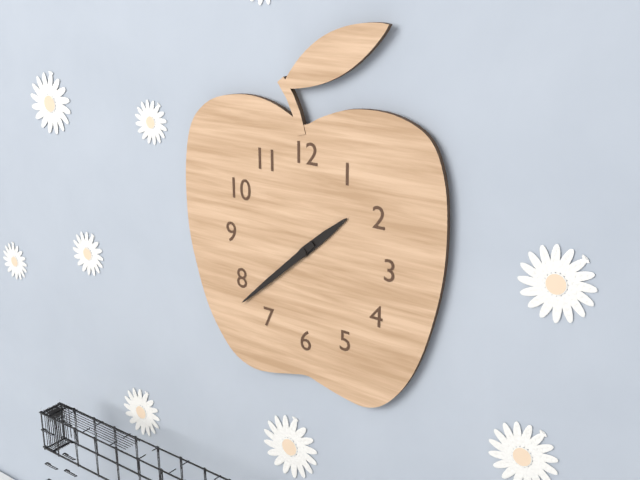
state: 1:38
